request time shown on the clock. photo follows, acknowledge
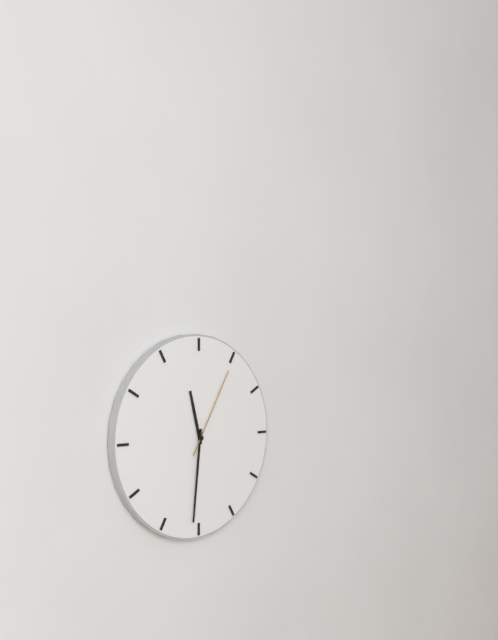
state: 11:31:05
